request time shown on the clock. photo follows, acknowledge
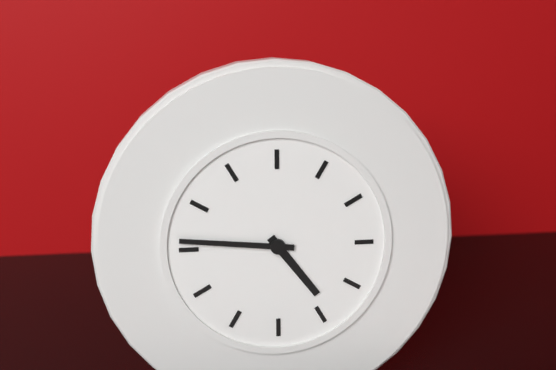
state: 4:46
